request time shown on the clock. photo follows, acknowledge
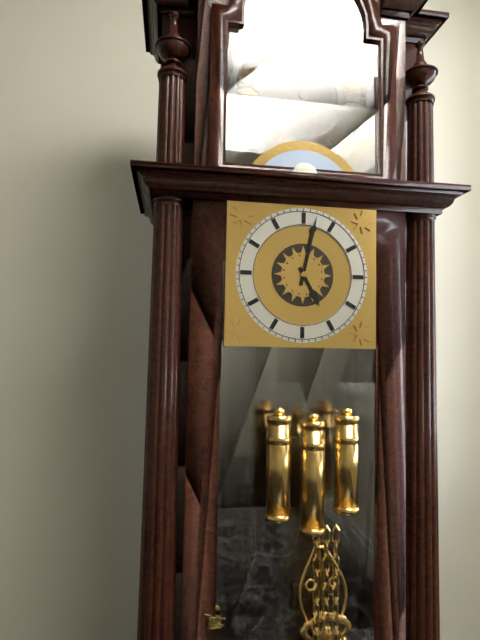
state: 5:02
